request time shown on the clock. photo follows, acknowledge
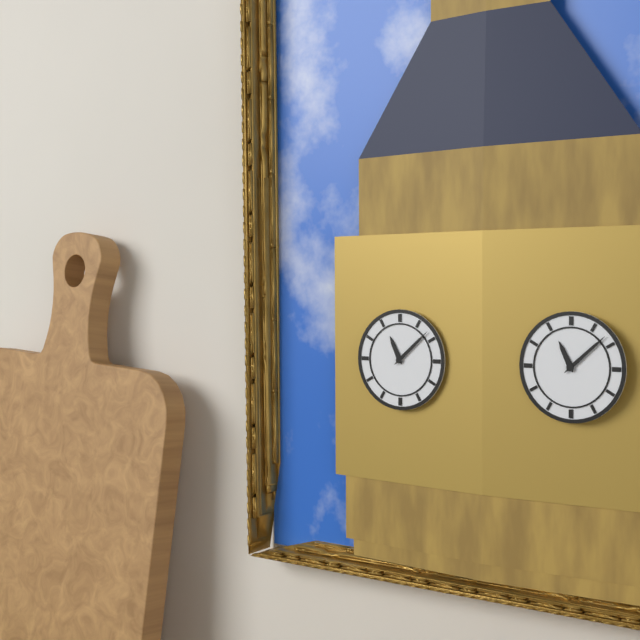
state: 11:08
